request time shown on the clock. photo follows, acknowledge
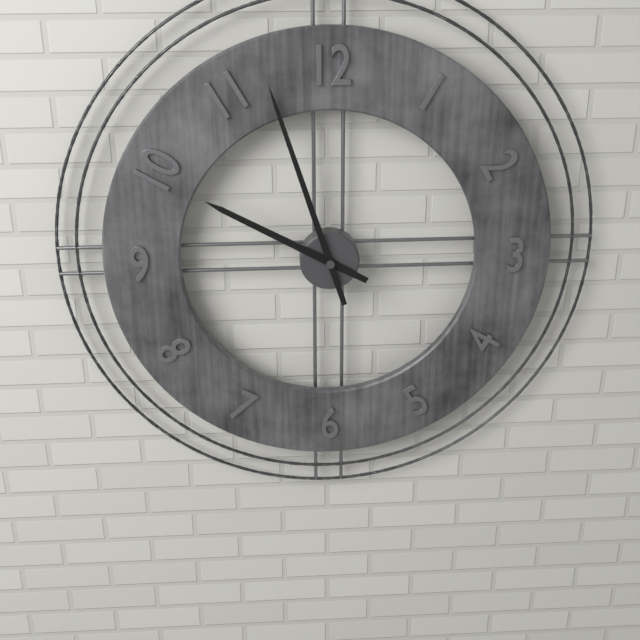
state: 9:57
